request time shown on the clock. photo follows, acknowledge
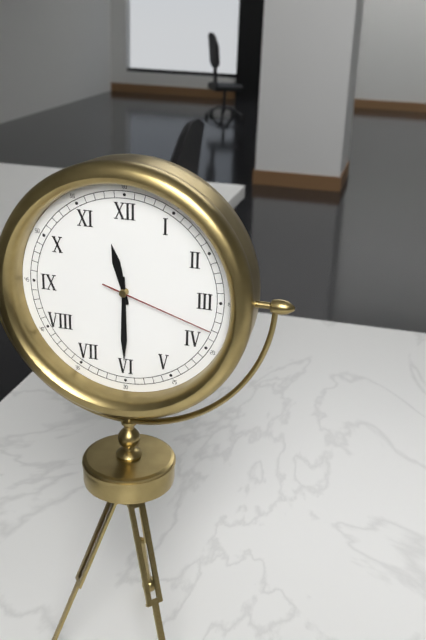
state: 11:30:18
